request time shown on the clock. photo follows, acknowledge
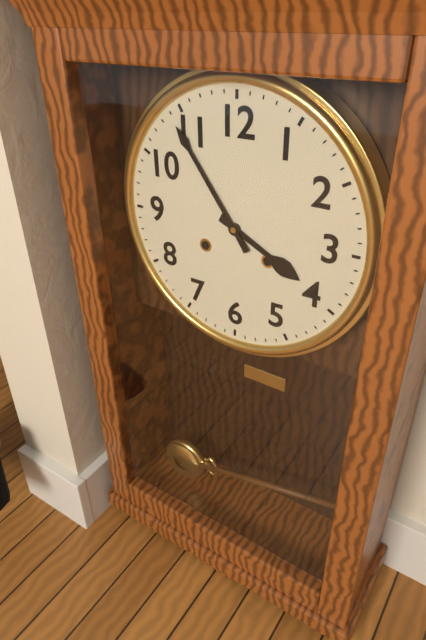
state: 3:54
